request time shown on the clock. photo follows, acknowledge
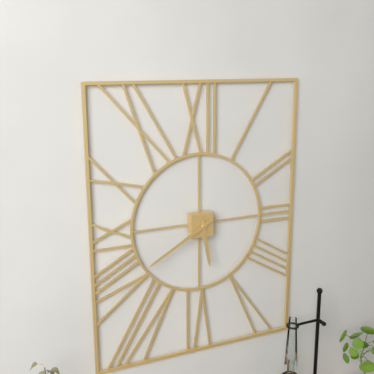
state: 5:40
